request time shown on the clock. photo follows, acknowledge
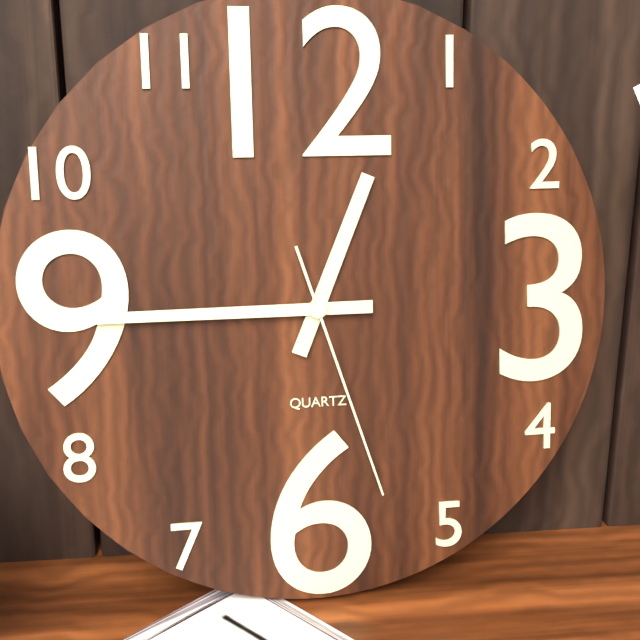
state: 12:45:27
